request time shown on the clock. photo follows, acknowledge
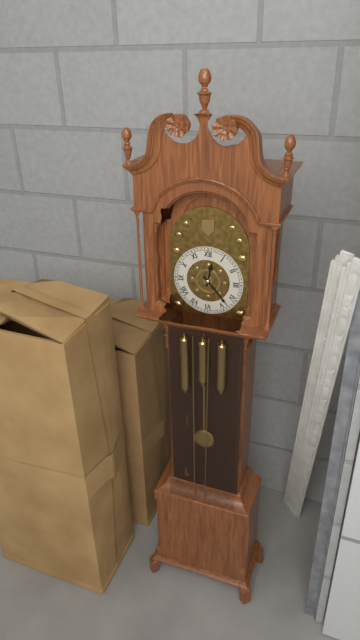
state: 12:23
